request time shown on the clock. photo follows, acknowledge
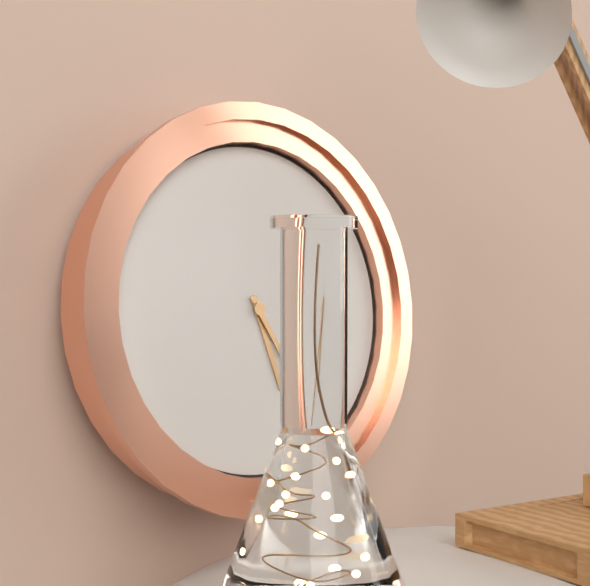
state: 5:25
